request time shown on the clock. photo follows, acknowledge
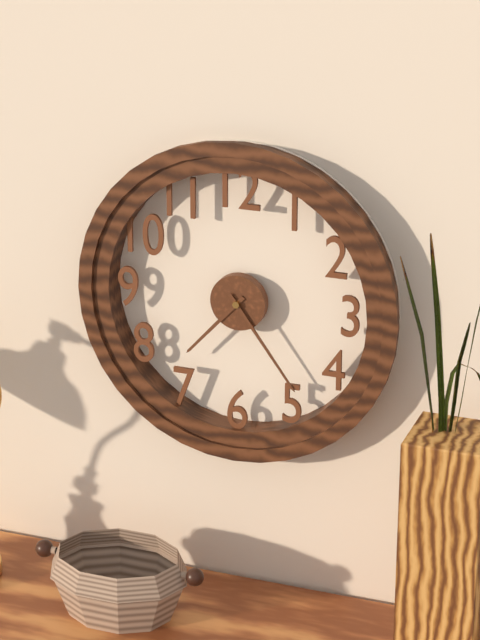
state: 7:24
